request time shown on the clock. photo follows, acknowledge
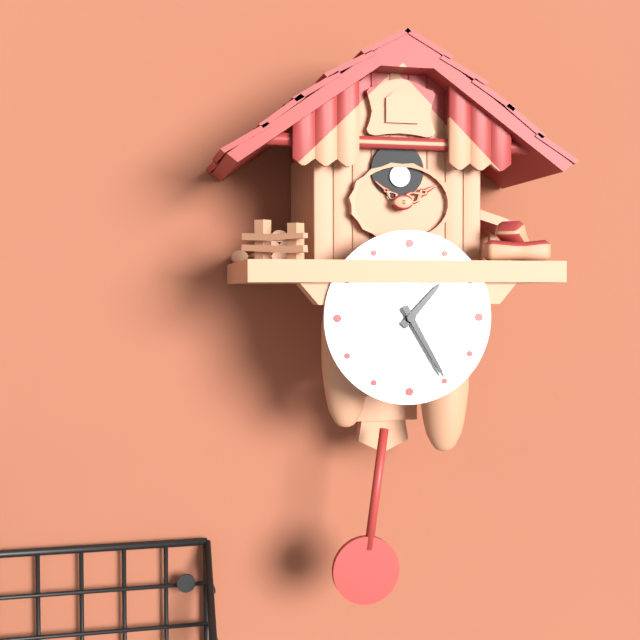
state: 1:25
